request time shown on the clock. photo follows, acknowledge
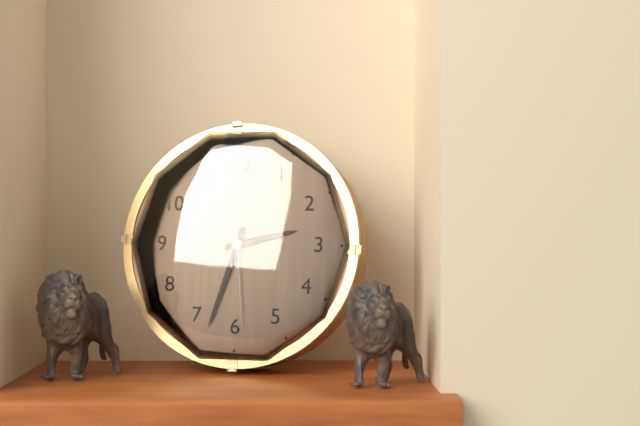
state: 2:33:29
